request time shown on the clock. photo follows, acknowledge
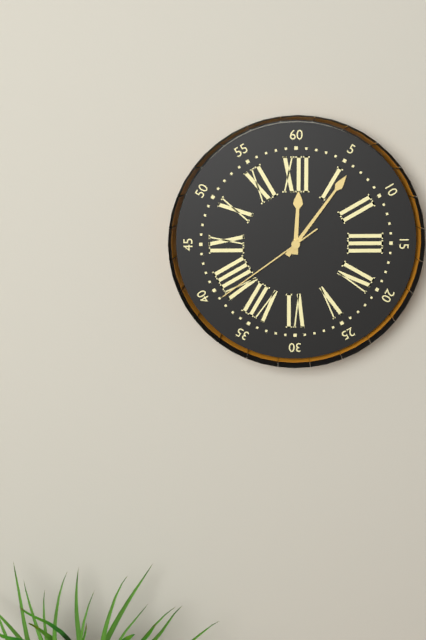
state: 12:06:39
